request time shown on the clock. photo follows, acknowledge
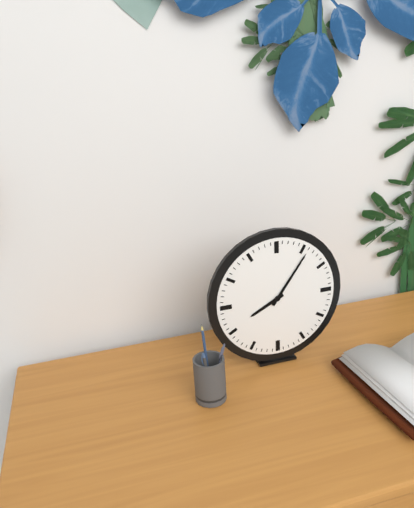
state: 8:06
